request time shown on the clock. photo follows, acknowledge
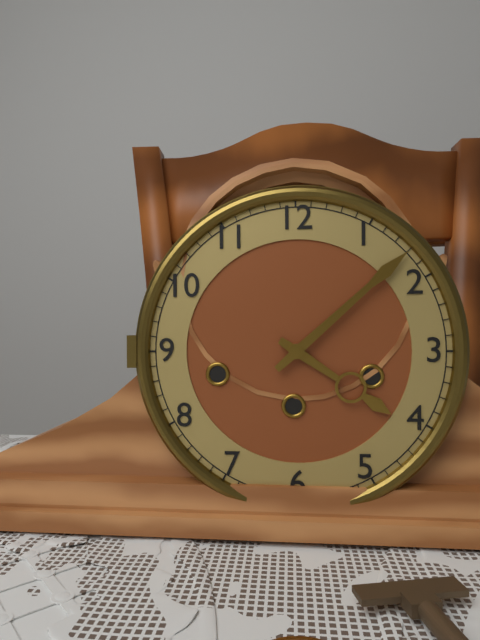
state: 4:08
